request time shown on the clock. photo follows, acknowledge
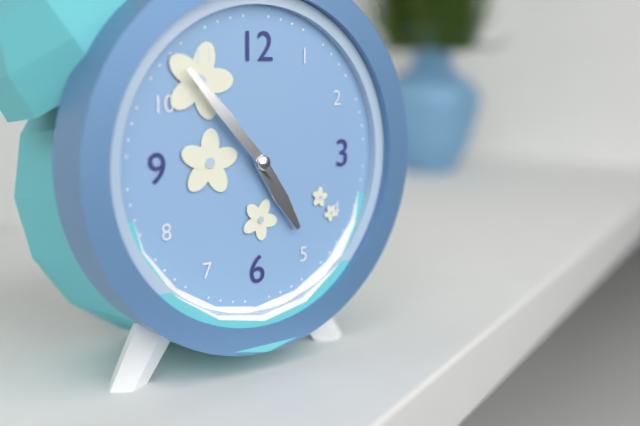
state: 4:53
